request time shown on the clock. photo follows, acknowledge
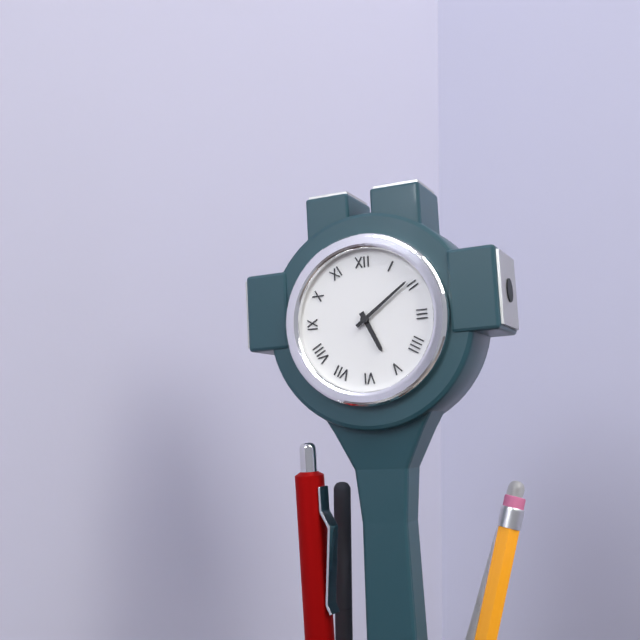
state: 5:09
